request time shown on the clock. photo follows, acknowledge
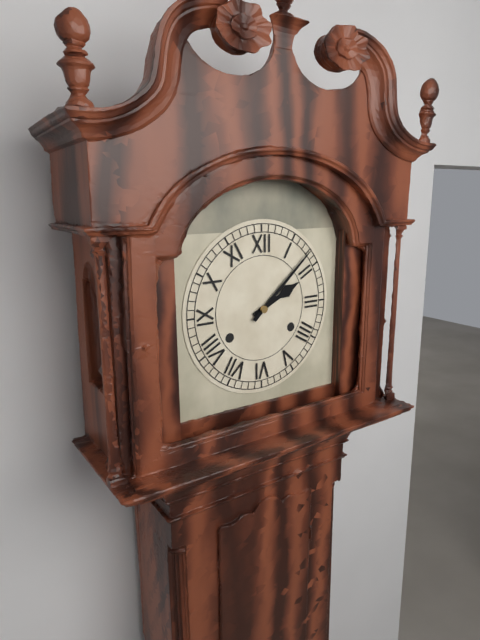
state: 2:08
